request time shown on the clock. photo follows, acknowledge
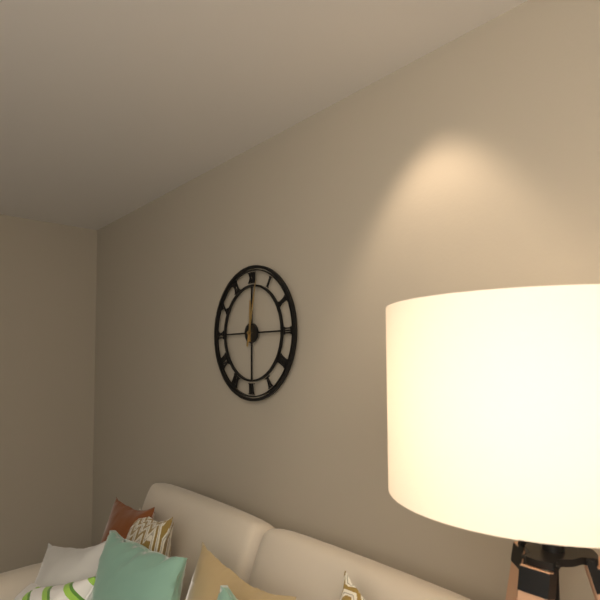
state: 12:02
